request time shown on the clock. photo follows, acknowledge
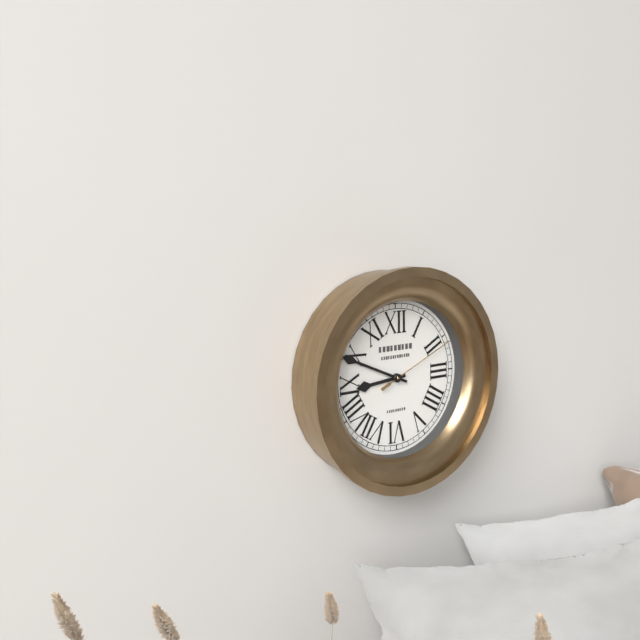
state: 8:49:11
